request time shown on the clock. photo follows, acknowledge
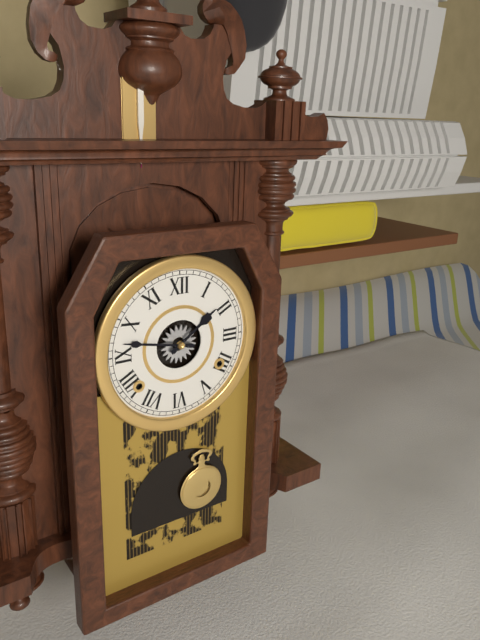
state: 1:47
